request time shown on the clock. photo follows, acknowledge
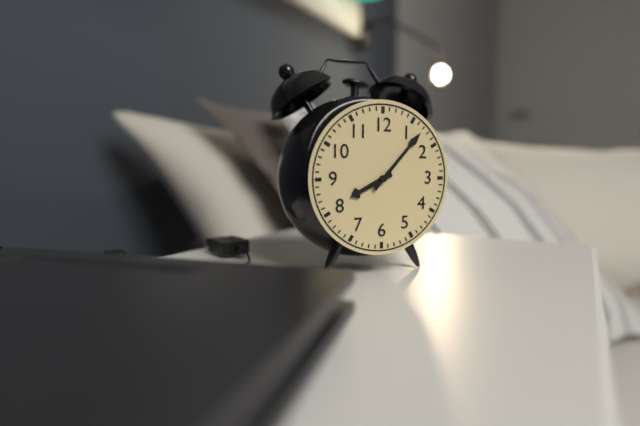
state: 8:07
